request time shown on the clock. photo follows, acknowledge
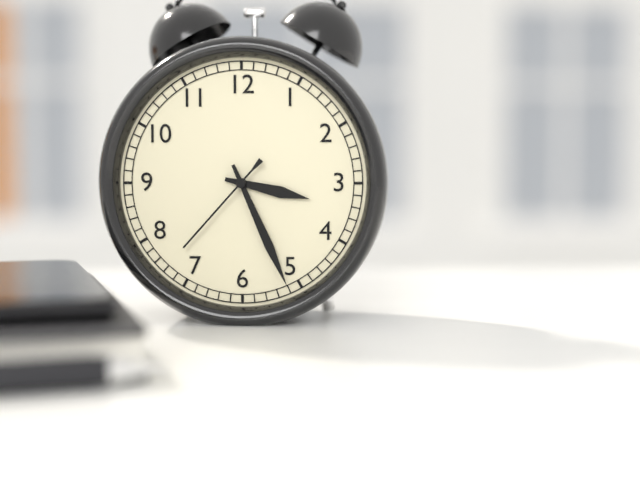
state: 3:26:37
